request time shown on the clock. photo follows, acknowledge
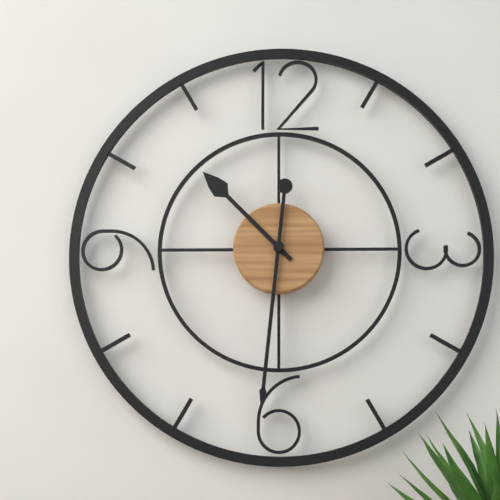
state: 10:31
